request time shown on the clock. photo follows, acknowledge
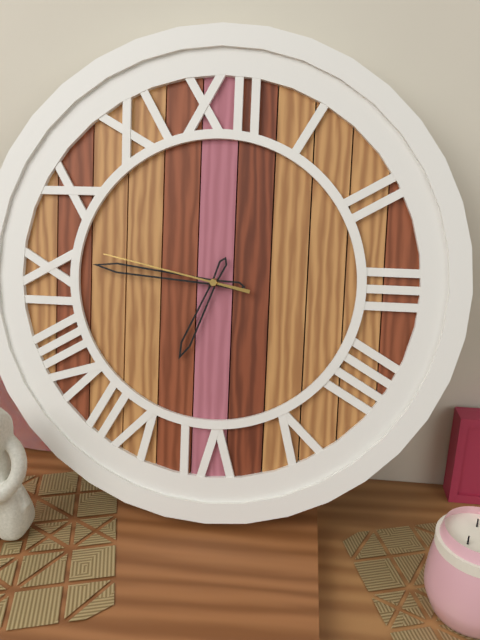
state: 6:46:47
